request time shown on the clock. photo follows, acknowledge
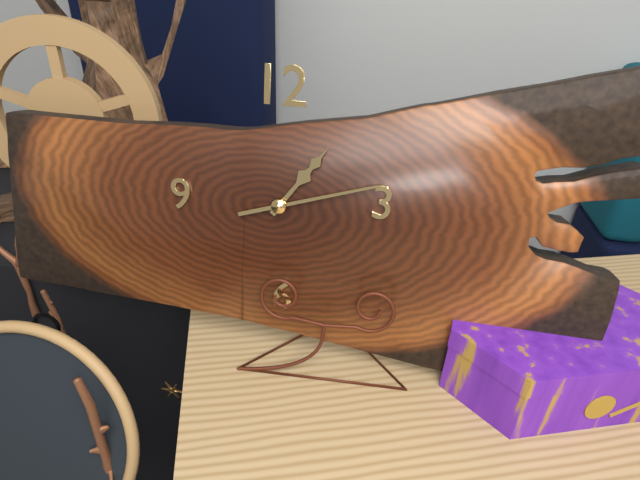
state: 1:12
